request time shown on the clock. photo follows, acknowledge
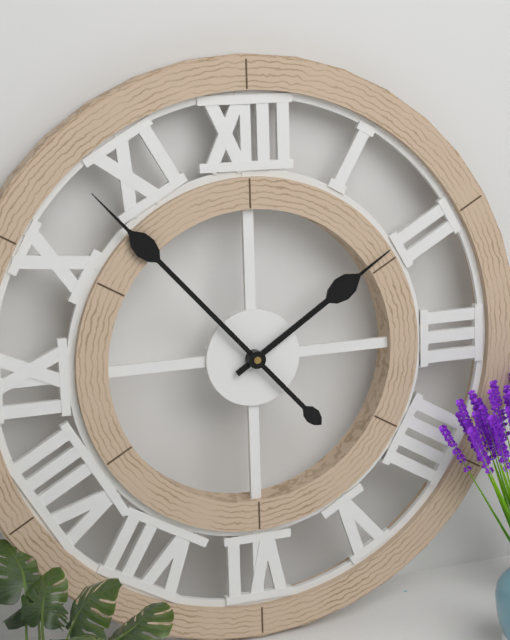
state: 1:53
